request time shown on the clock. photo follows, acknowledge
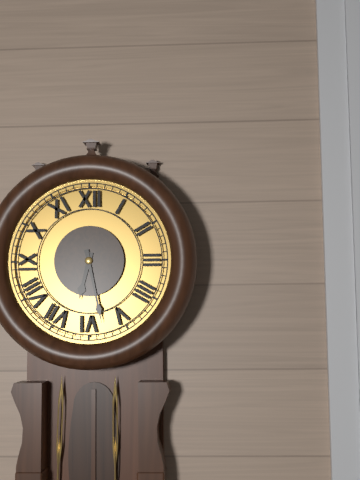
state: 6:28
